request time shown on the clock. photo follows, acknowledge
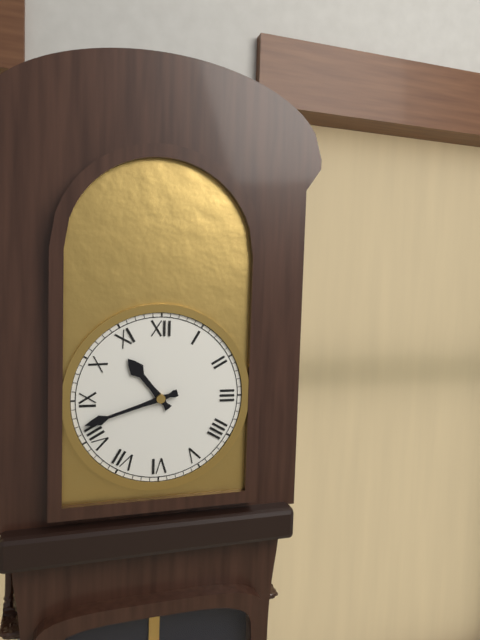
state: 10:42
